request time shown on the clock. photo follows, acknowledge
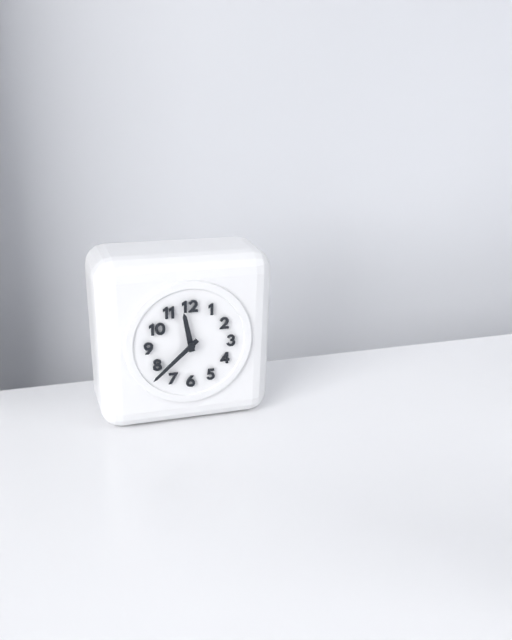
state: 11:38
